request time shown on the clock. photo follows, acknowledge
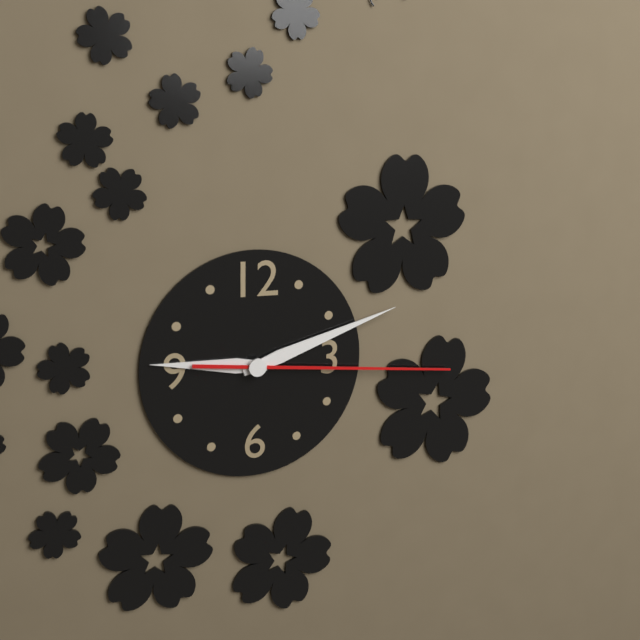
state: 9:12:16
